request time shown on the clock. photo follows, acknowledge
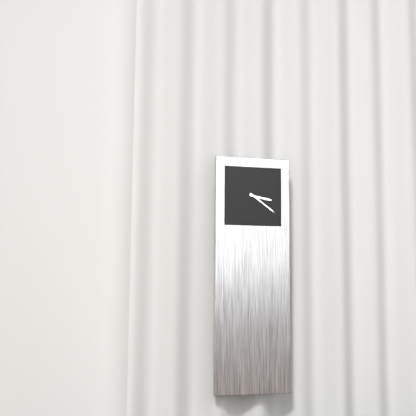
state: 3:21
